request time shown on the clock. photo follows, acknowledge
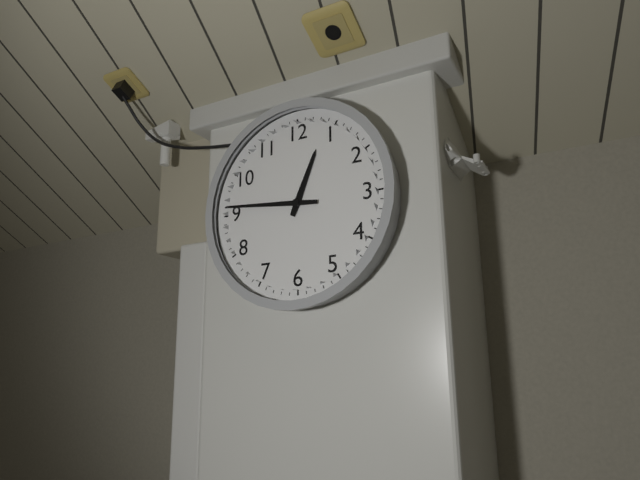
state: 12:46
